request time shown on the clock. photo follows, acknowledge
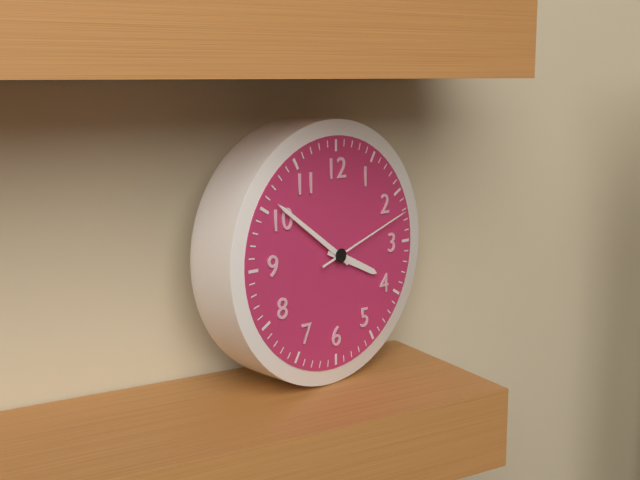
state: 3:51:12
